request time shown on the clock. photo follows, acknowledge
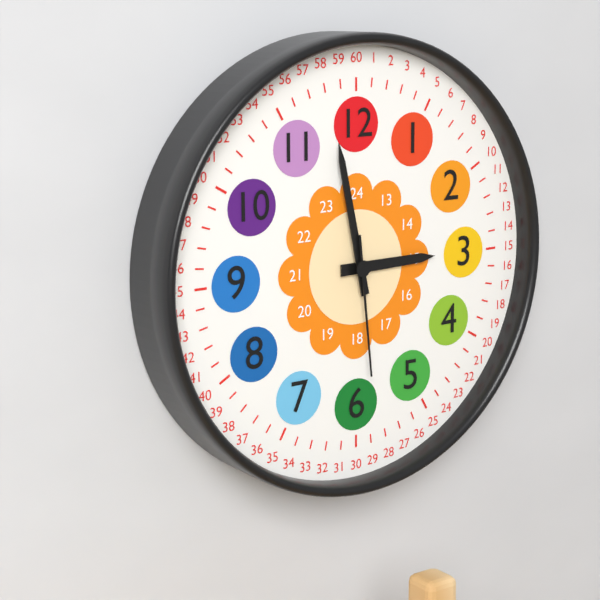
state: 2:58:29
